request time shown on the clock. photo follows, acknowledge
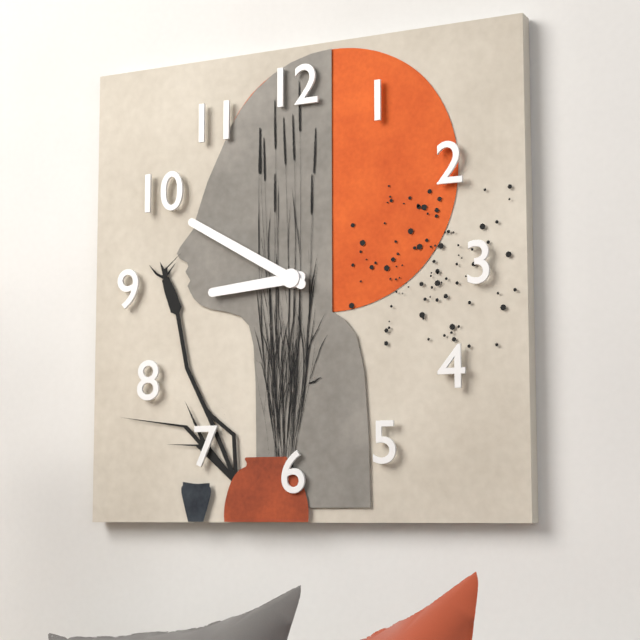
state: 8:50
